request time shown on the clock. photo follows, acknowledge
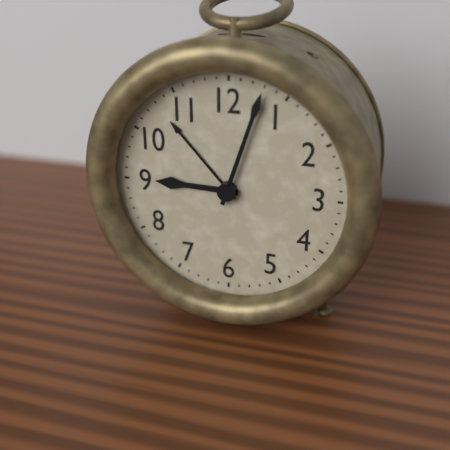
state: 9:03
